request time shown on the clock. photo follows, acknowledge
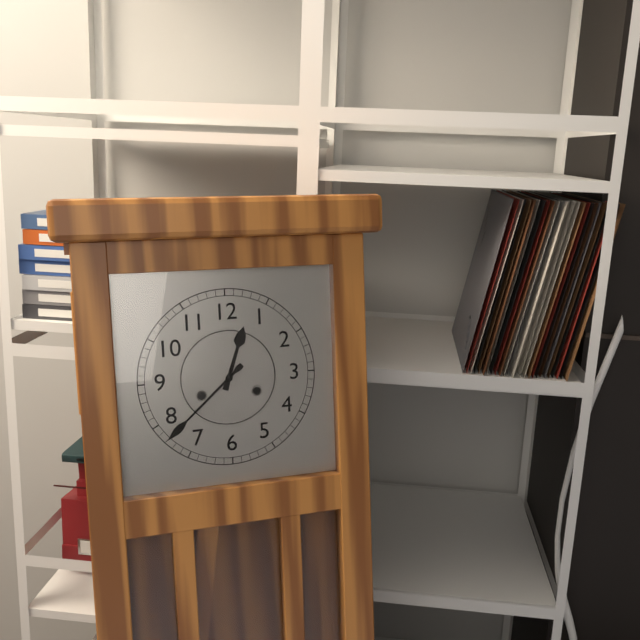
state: 12:38
